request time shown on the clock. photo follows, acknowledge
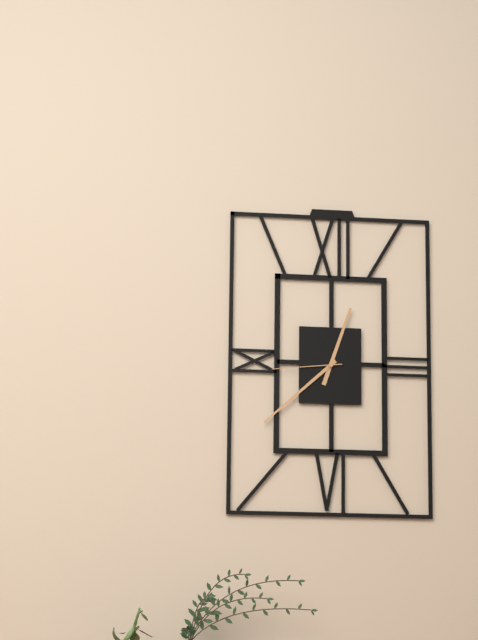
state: 12:38:44
